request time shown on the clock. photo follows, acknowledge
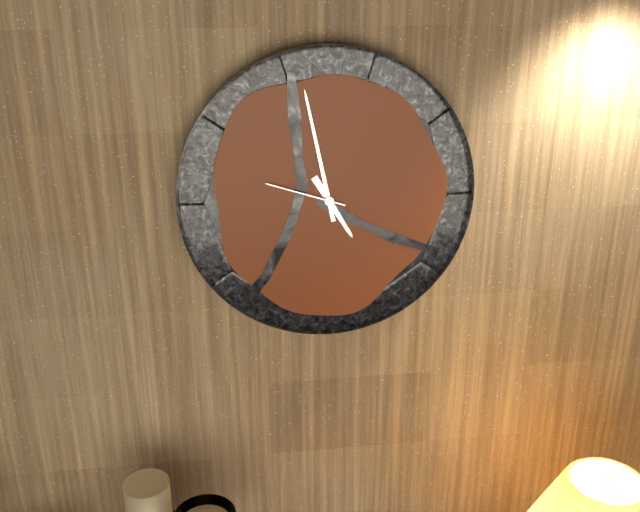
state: 4:58:48
